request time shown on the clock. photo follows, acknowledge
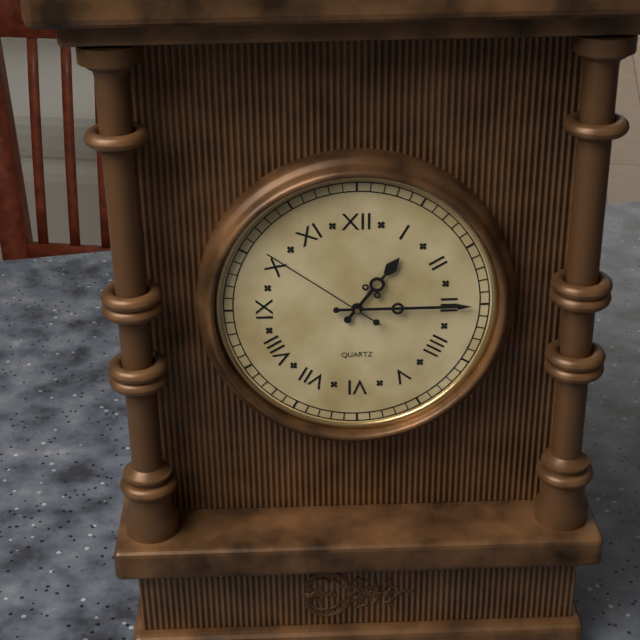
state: 1:15:51
